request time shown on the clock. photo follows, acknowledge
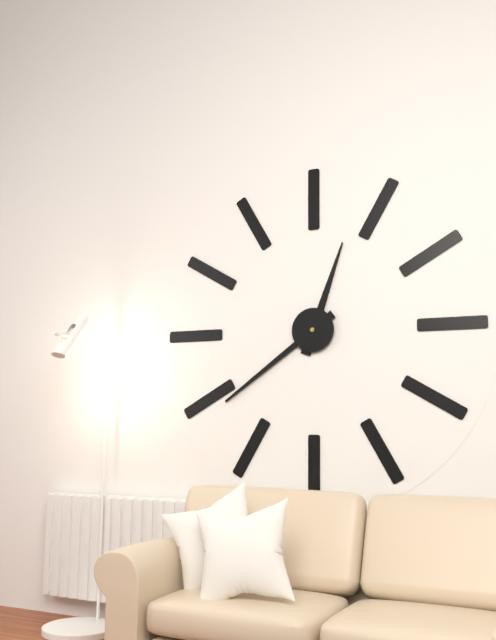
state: 12:39
